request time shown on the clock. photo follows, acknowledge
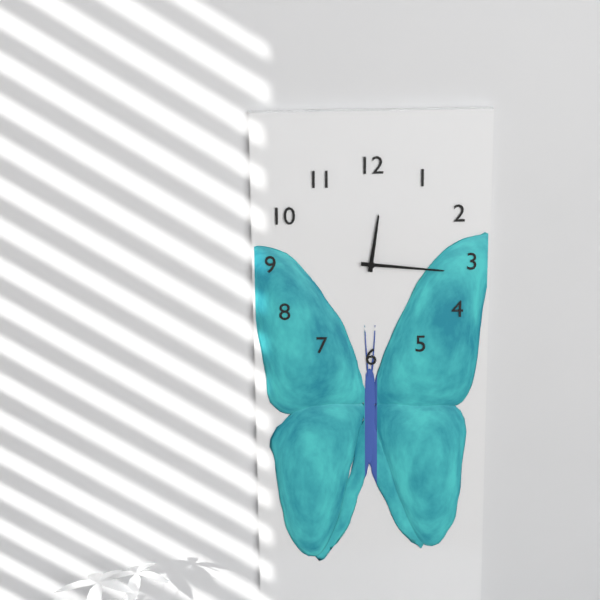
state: 12:16
